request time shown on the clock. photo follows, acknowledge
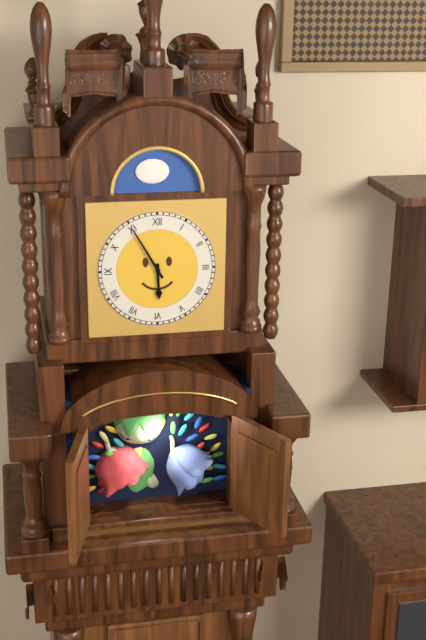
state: 5:55
